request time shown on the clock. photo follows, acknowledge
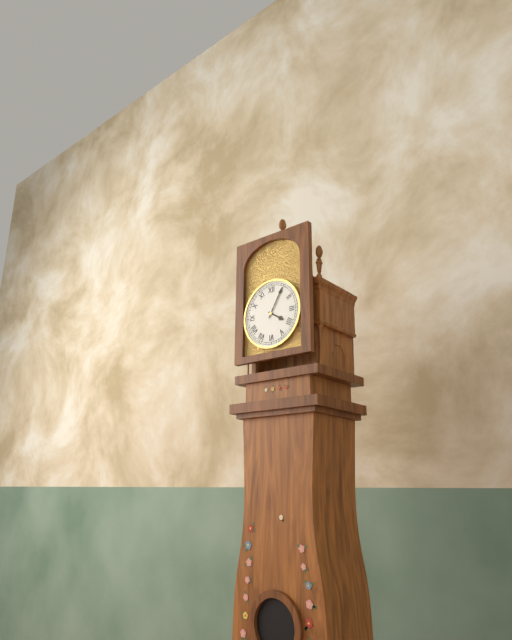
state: 4:05
